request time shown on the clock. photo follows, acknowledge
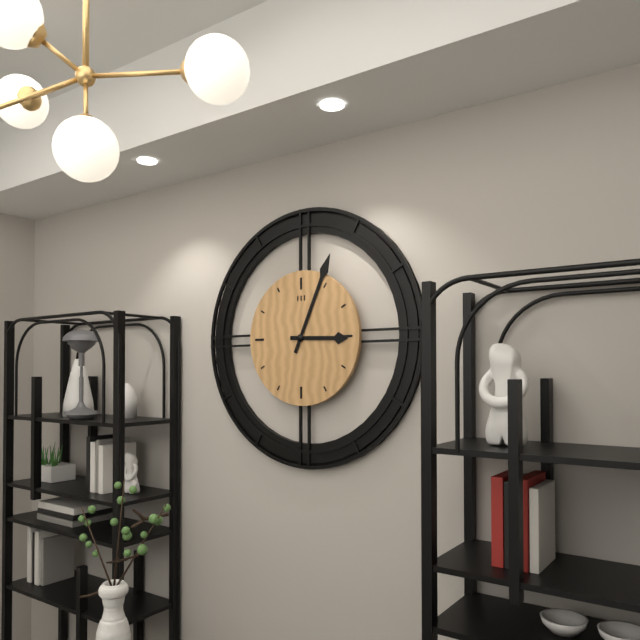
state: 3:04
